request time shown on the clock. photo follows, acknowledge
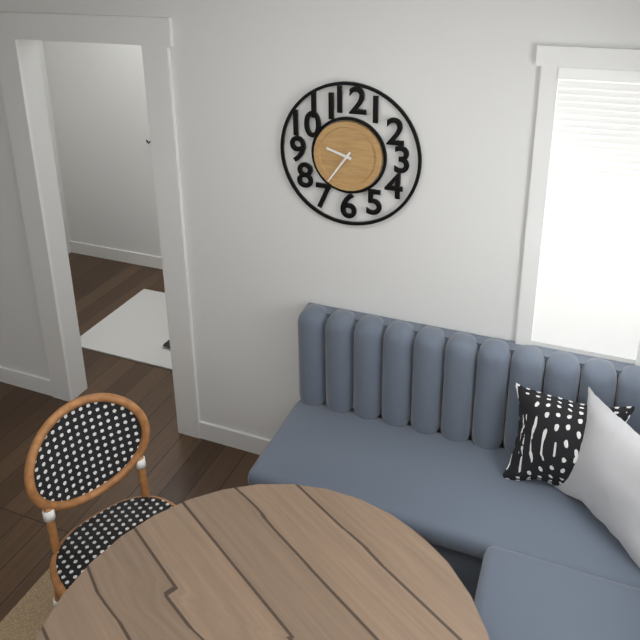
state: 9:36
